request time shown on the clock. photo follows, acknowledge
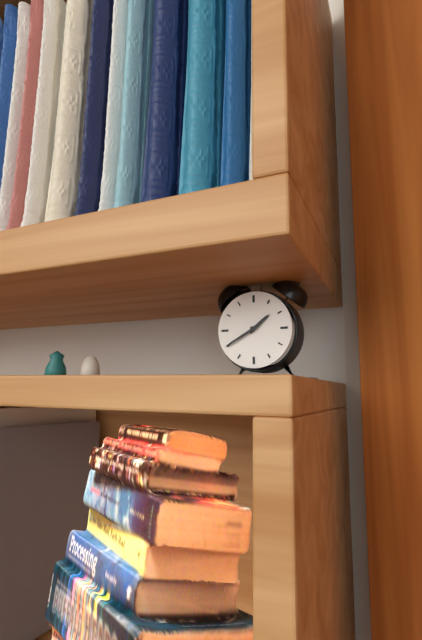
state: 1:40
